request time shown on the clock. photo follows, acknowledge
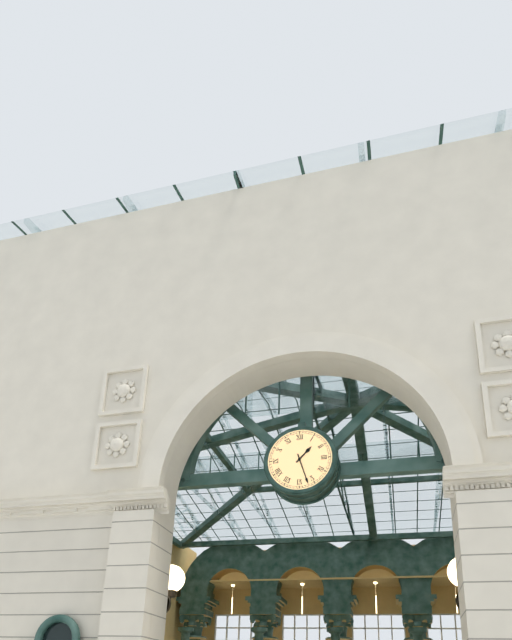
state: 1:27
